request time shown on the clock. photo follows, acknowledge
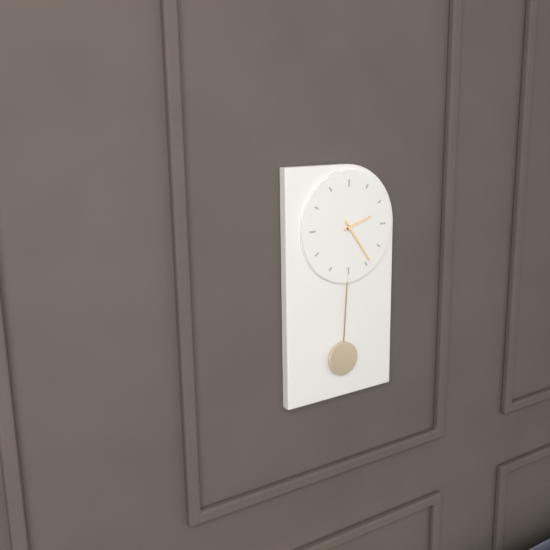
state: 2:24
